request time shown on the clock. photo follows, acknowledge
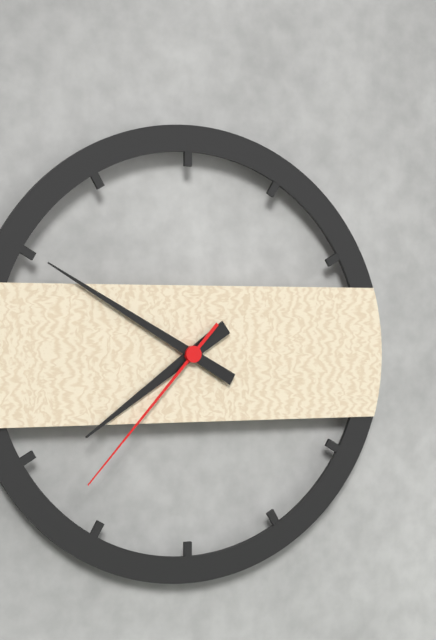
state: 7:50:37
